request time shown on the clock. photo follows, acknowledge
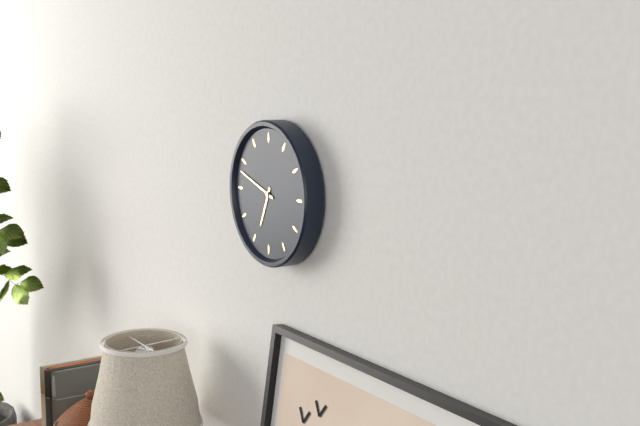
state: 6:48
